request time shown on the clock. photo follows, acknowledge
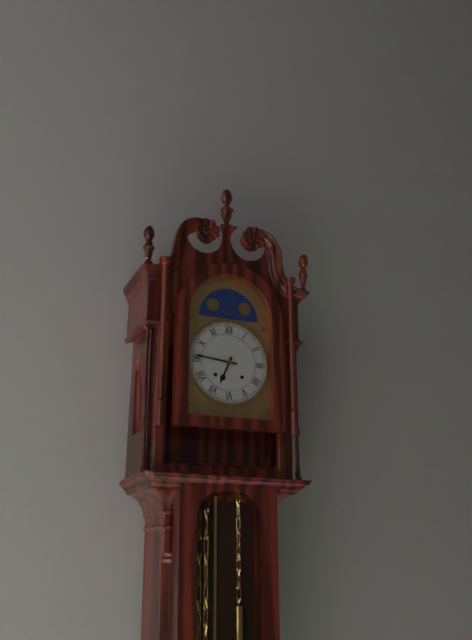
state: 6:46
